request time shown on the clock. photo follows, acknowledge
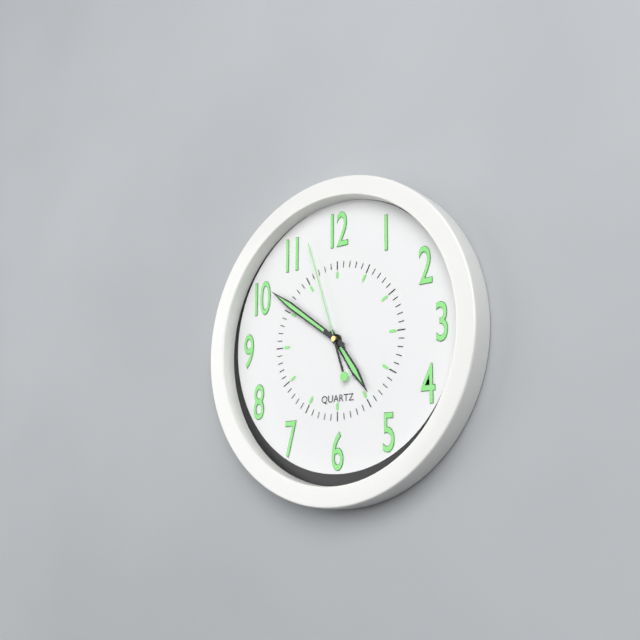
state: 4:51:57
